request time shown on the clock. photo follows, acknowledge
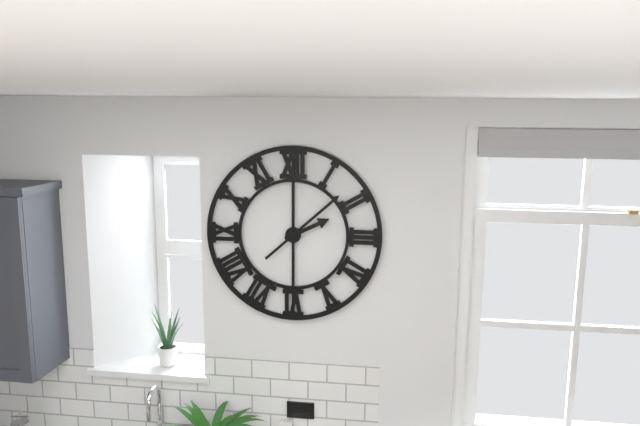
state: 2:08
